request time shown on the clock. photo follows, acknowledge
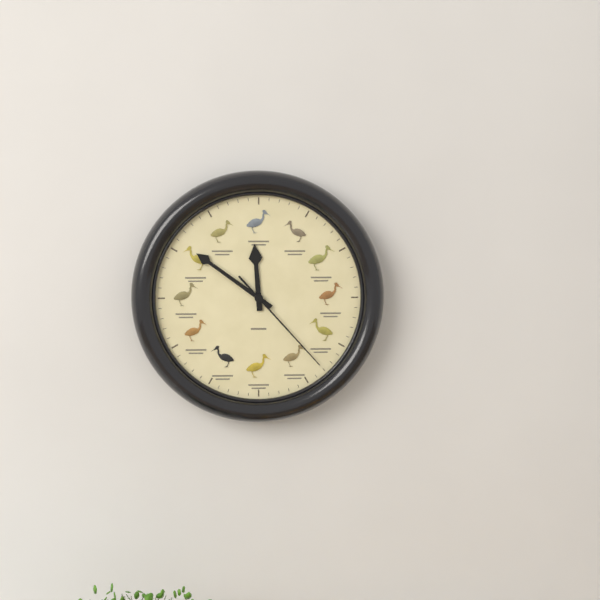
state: 11:51:23
